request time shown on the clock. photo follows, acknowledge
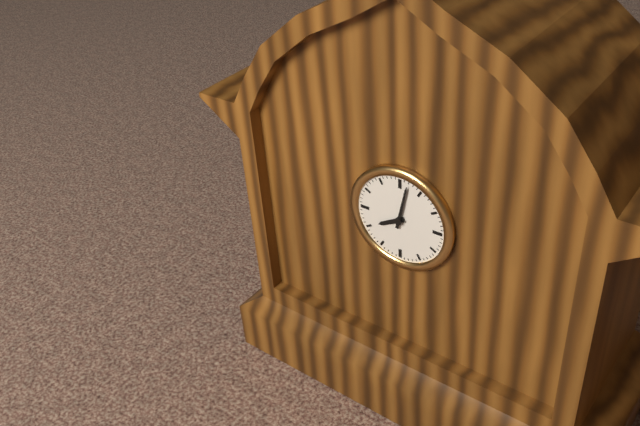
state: 8:02
